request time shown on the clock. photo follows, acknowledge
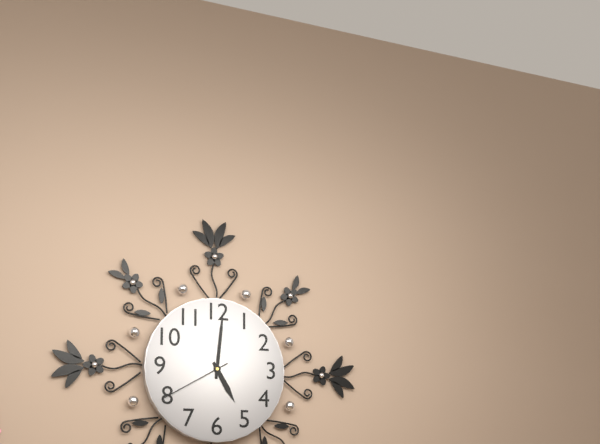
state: 5:01:40
